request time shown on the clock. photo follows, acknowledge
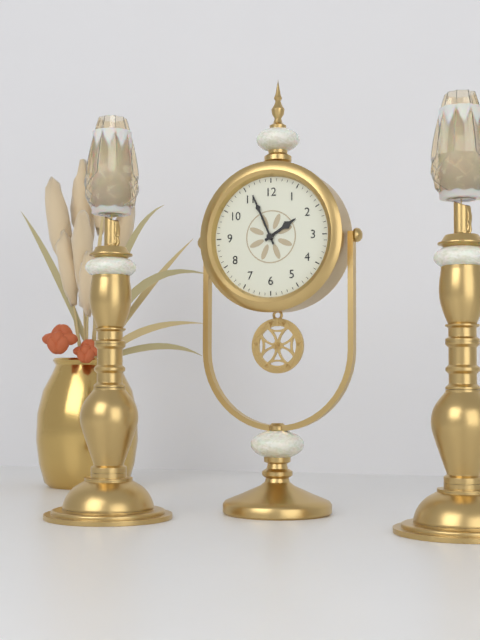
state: 1:56
